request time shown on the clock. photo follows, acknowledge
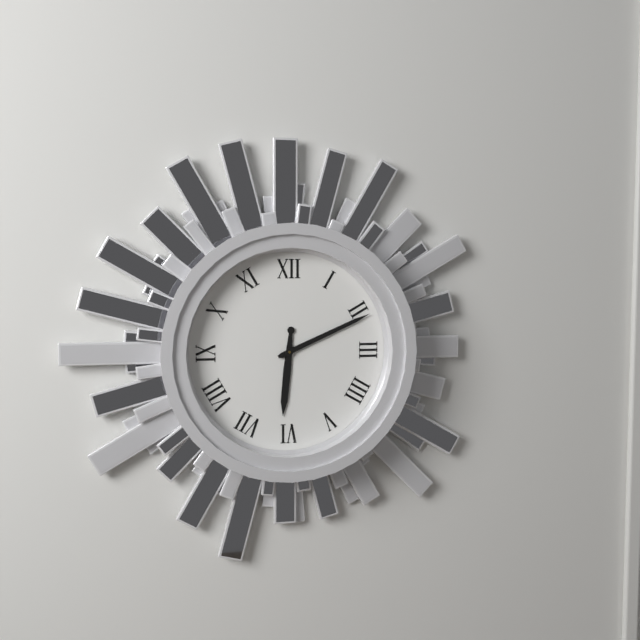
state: 6:11
